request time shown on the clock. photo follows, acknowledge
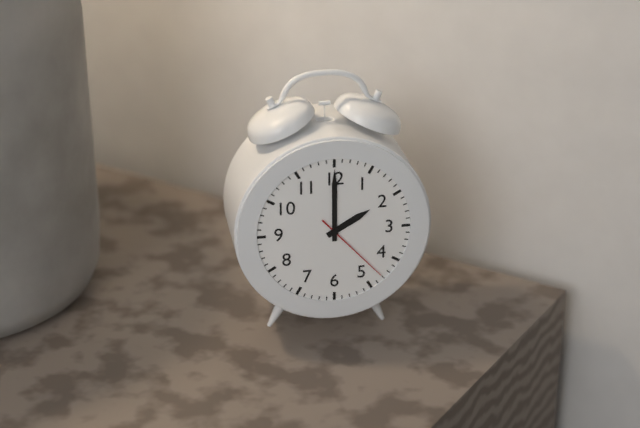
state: 2:00:23
